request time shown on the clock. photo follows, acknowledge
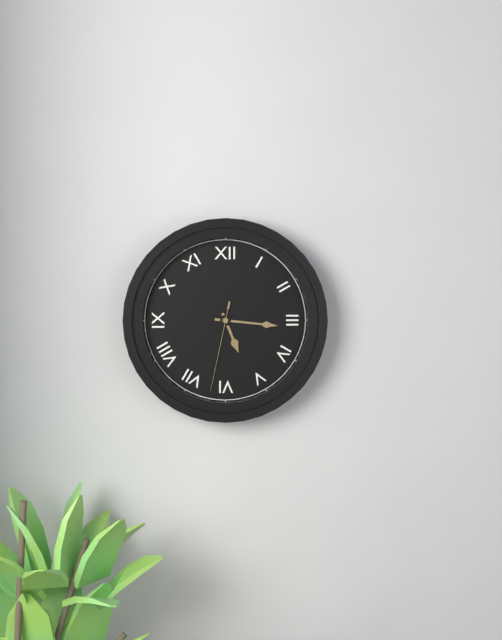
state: 5:16:32
